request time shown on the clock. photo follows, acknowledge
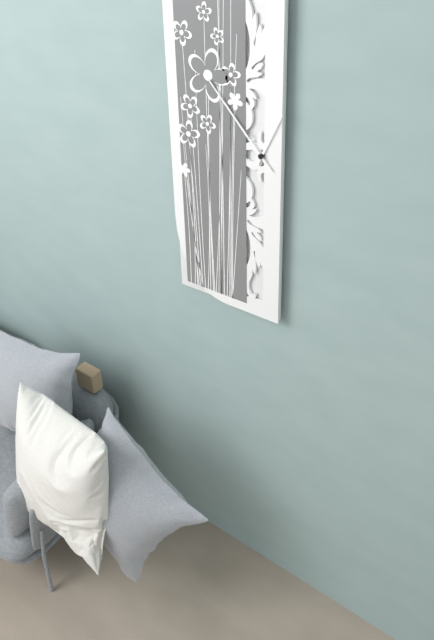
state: 12:53
